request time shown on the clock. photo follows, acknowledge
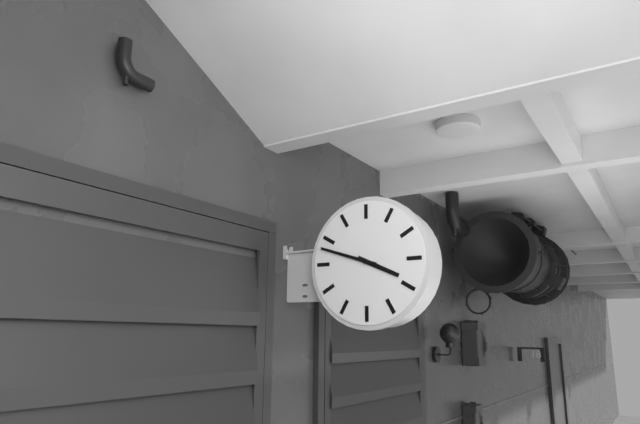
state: 3:48
